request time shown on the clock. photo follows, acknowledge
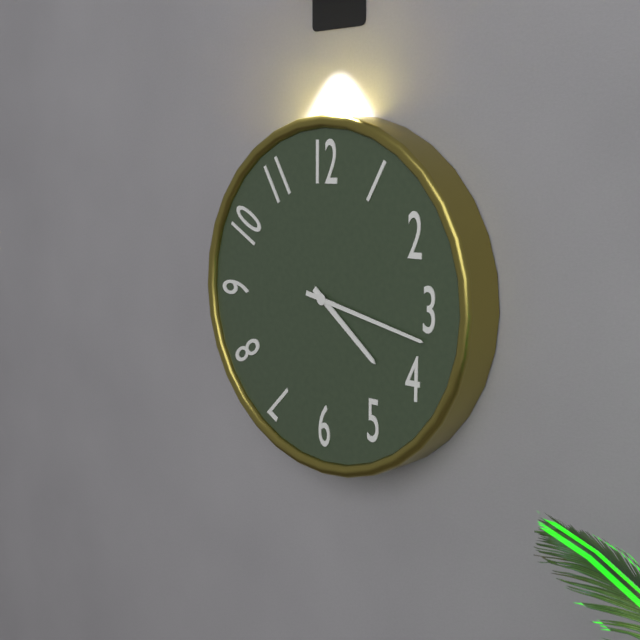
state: 4:17
